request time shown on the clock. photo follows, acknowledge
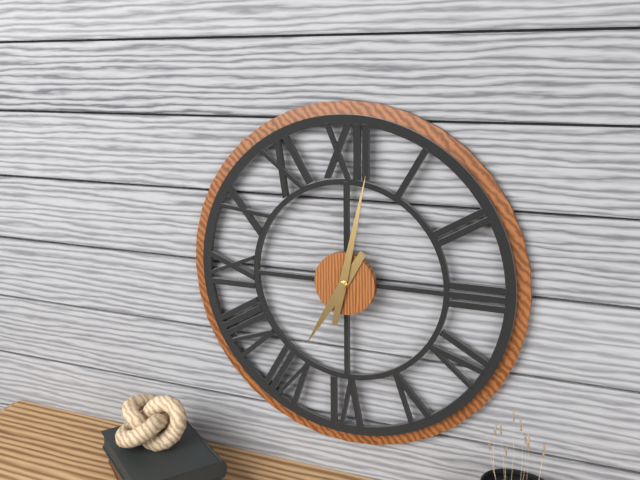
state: 7:02
